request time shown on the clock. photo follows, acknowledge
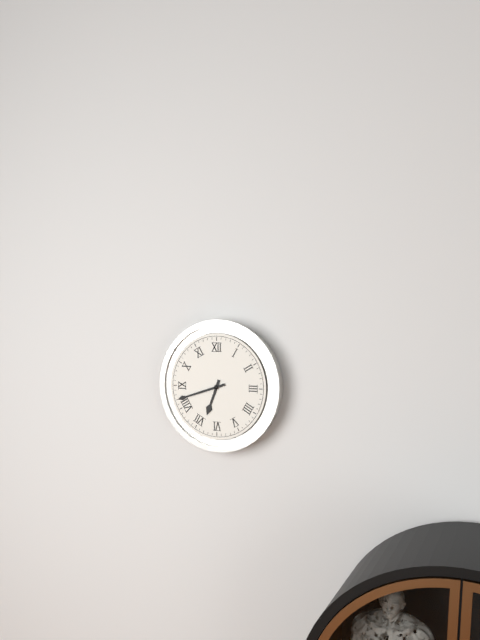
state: 6:42
